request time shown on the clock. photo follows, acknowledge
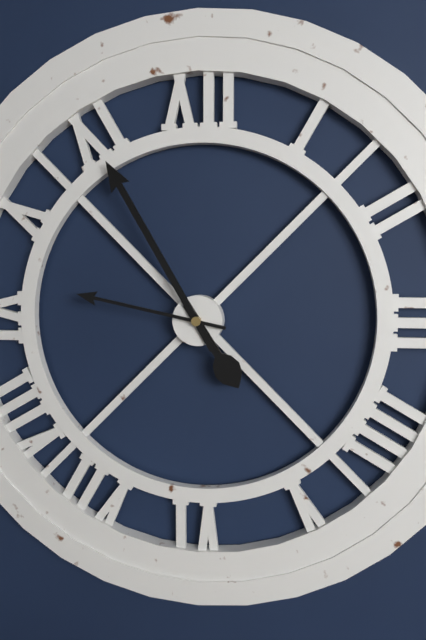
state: 4:55:47
